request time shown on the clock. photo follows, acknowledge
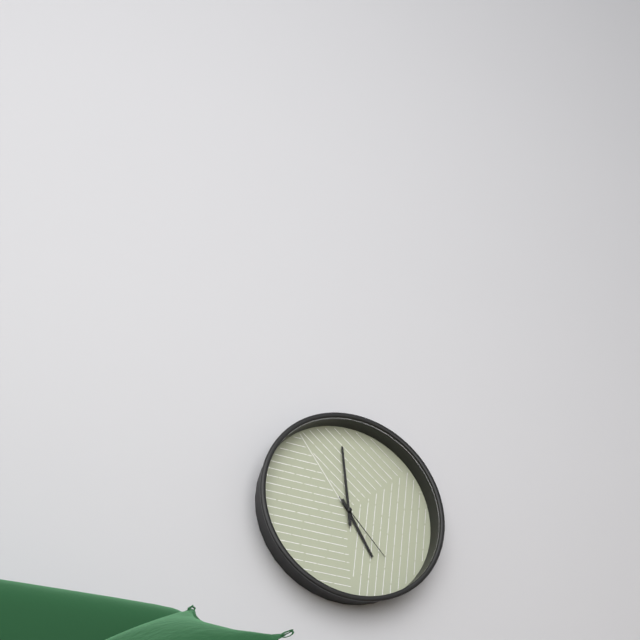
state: 4:59:23
